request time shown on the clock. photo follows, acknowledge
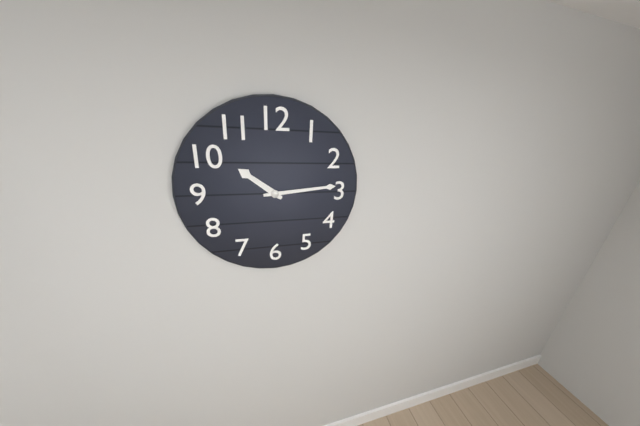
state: 10:14
